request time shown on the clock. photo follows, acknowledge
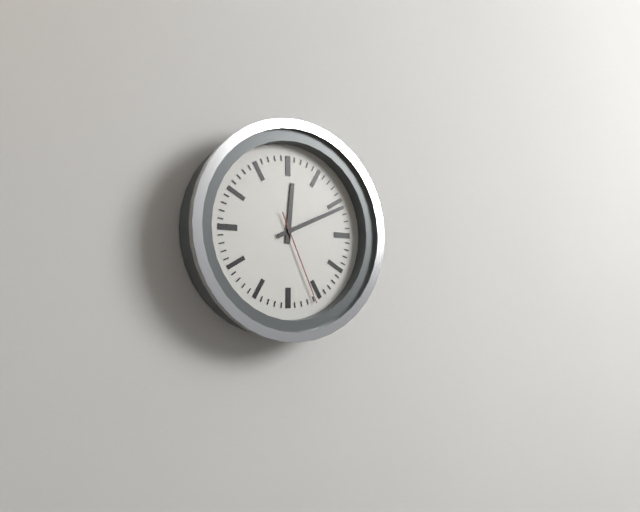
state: 12:11:26
